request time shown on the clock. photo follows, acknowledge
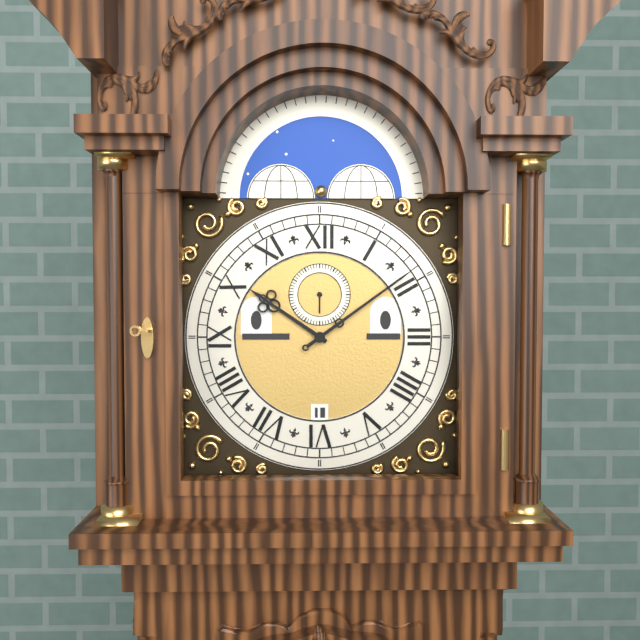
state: 10:09
